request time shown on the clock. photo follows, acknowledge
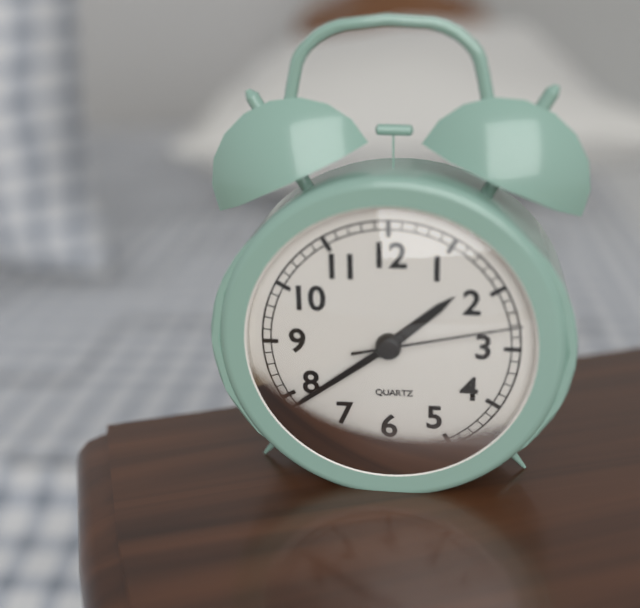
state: 1:39:13
